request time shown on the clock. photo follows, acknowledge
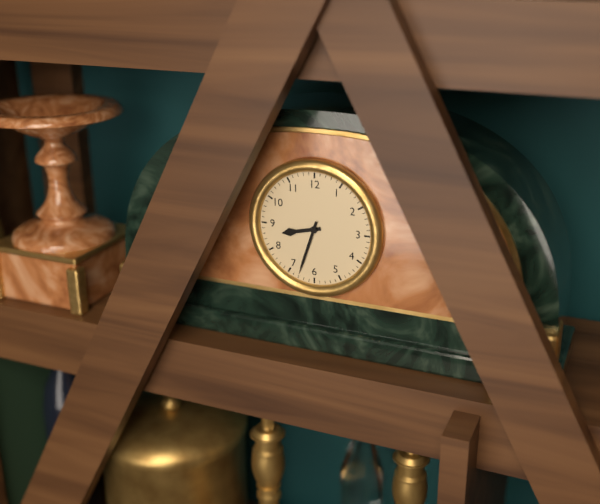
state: 8:33
